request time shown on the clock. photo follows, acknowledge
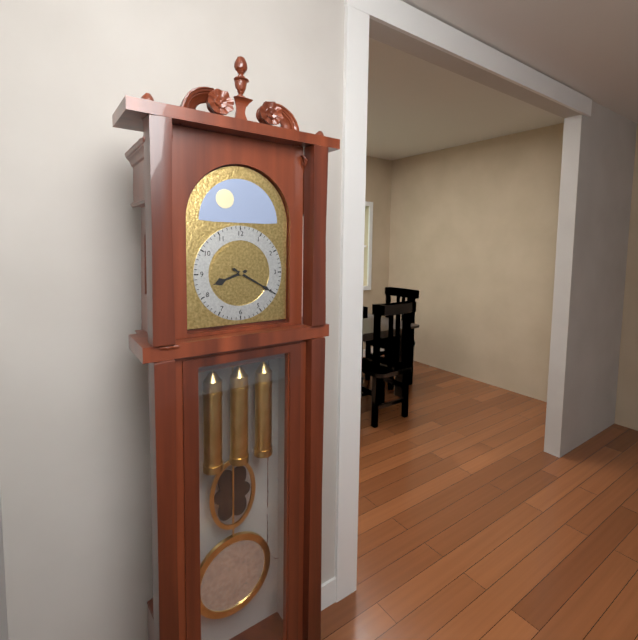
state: 8:20
